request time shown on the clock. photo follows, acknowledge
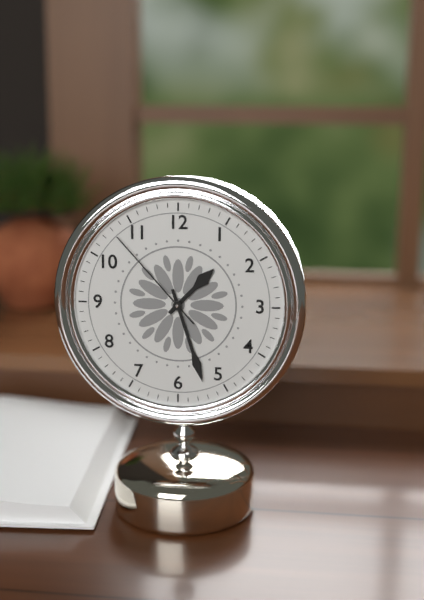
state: 1:27:53
